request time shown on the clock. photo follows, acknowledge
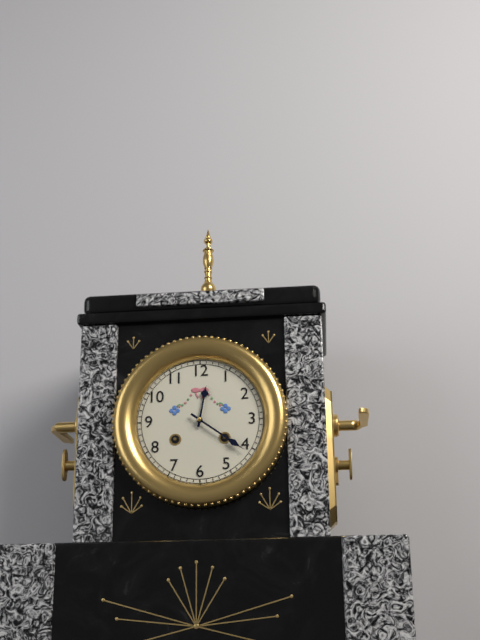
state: 12:21
